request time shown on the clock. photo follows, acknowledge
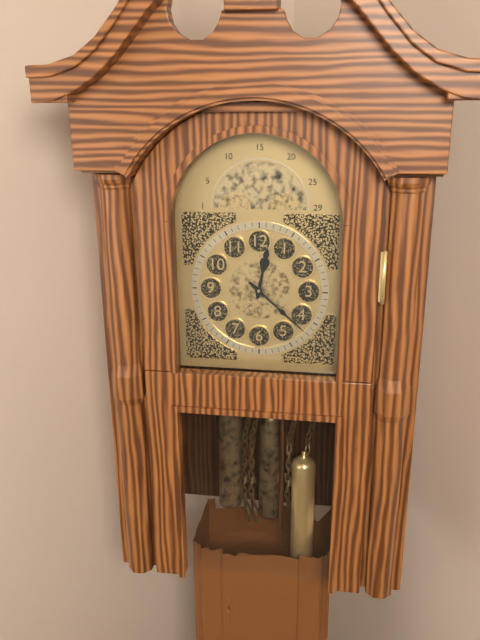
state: 12:22
